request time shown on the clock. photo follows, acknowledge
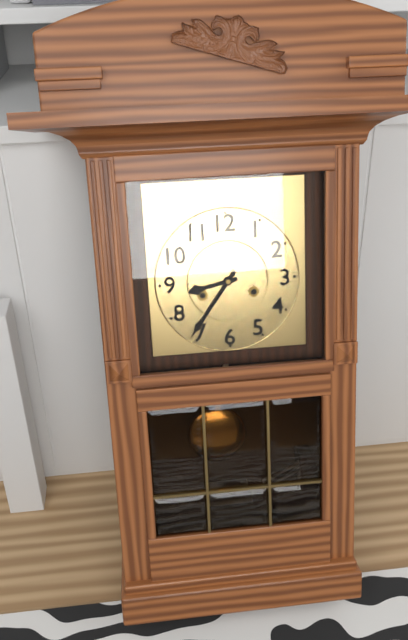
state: 8:36
